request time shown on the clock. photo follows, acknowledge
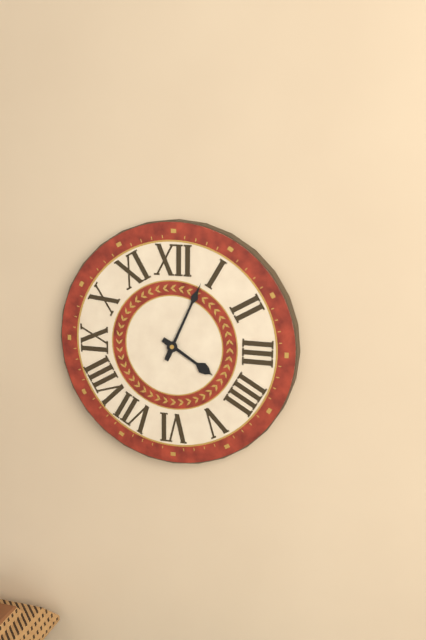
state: 4:04
